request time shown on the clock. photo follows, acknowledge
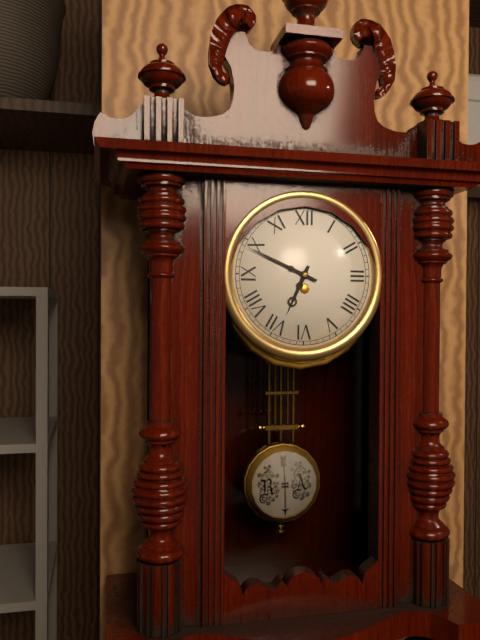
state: 6:49
